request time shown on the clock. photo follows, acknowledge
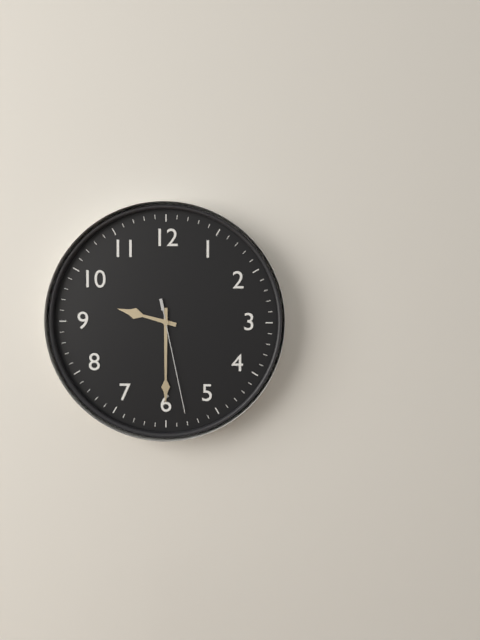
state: 9:30:28
